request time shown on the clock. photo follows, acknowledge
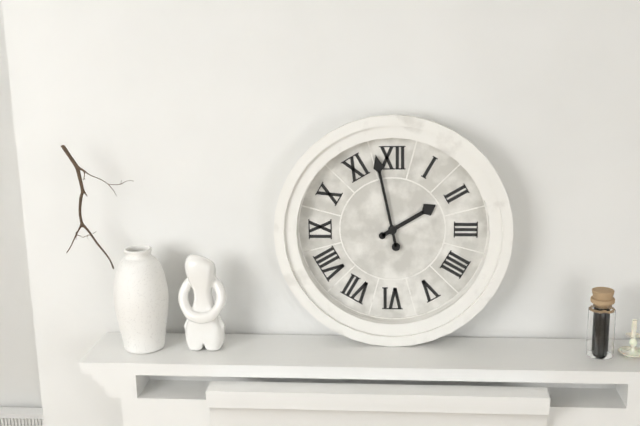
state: 1:58
